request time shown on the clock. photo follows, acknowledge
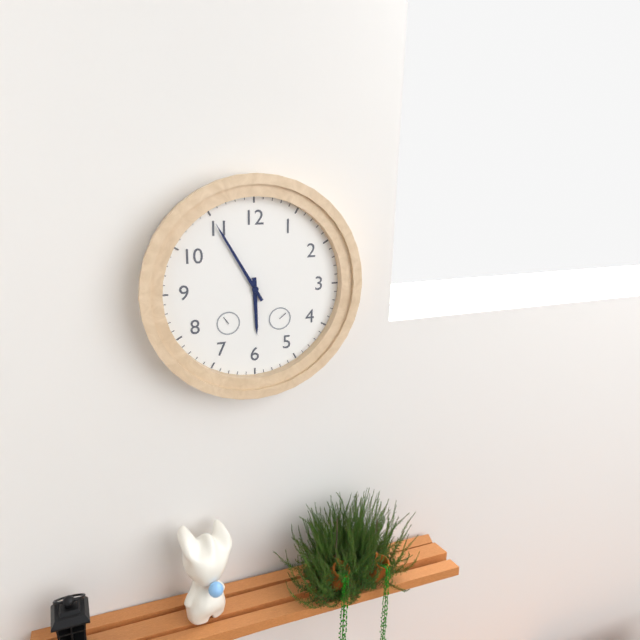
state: 5:55
